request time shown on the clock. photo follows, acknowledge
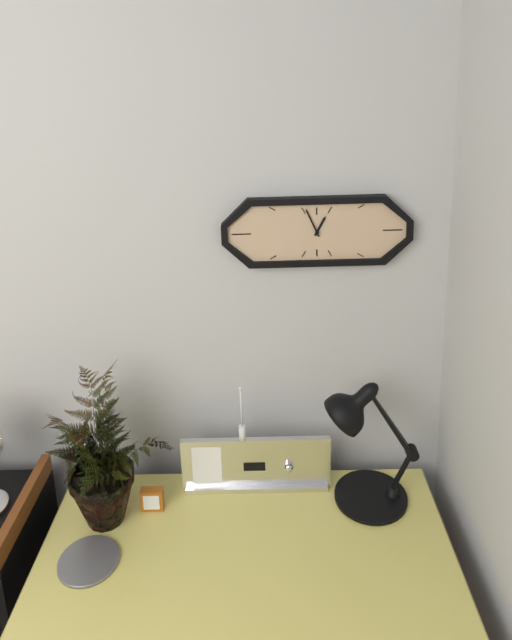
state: 12:56
